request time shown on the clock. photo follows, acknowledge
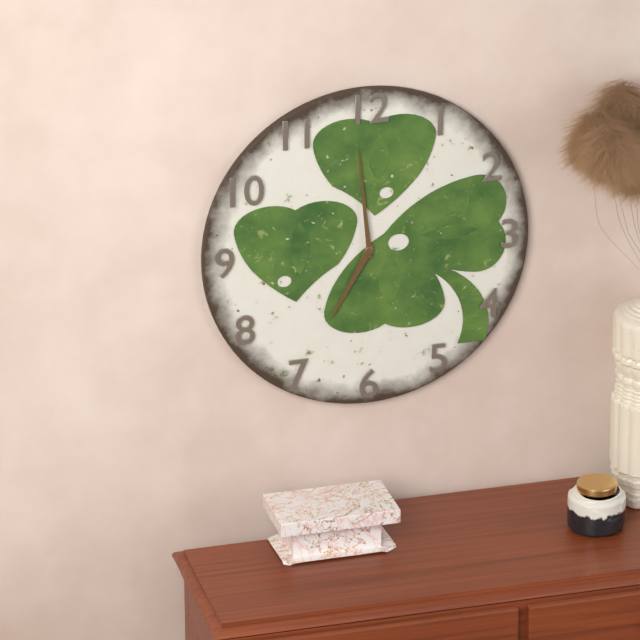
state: 6:59
